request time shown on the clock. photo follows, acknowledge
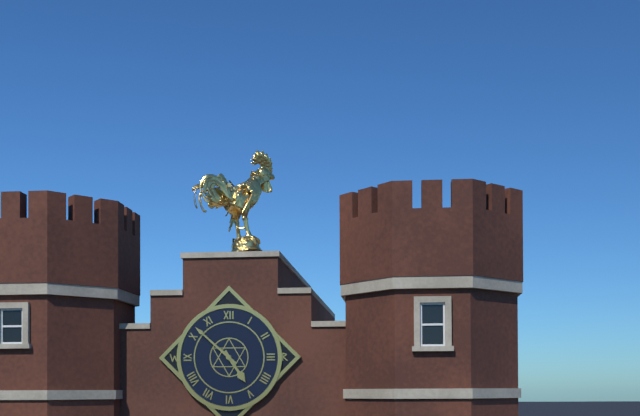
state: 4:52
